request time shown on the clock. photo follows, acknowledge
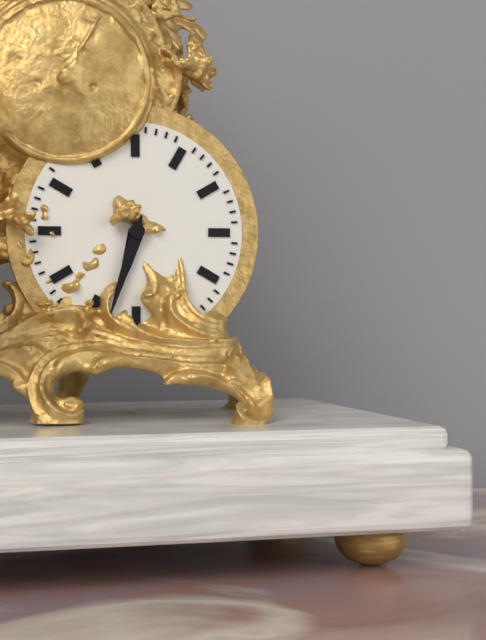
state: 6:33
